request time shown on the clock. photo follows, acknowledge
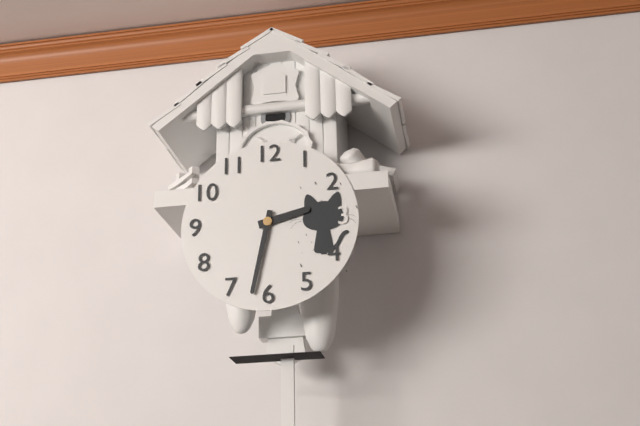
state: 2:32
